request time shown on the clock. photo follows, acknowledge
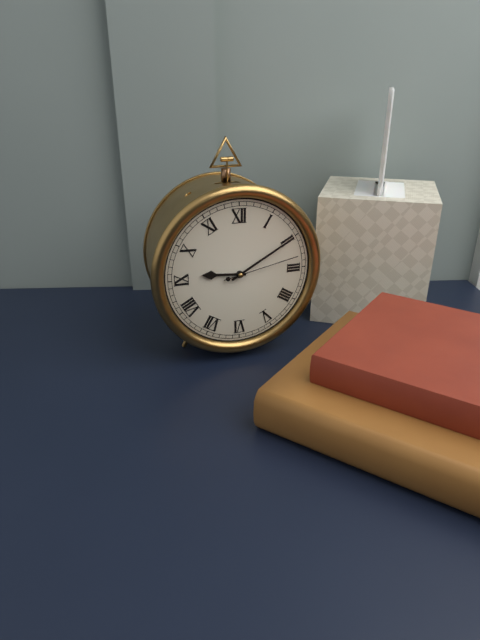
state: 9:10:13
